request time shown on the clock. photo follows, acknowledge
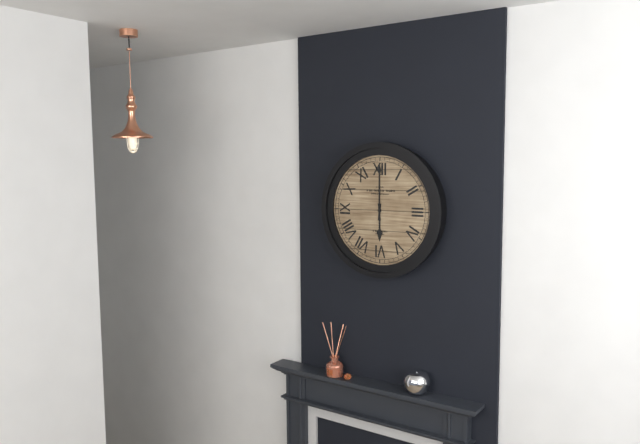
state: 6:00
